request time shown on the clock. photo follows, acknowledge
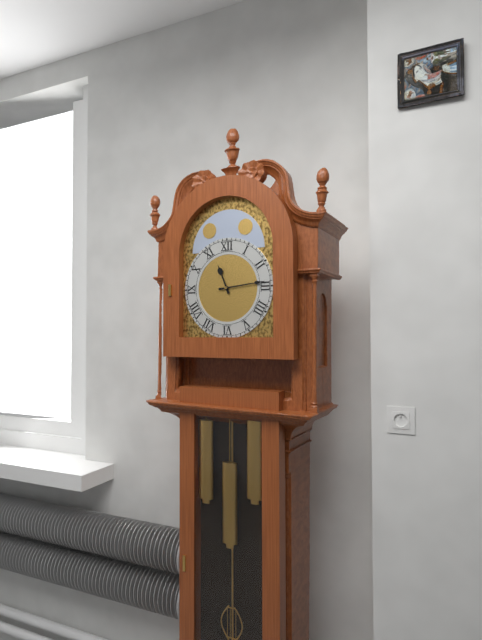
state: 11:14
